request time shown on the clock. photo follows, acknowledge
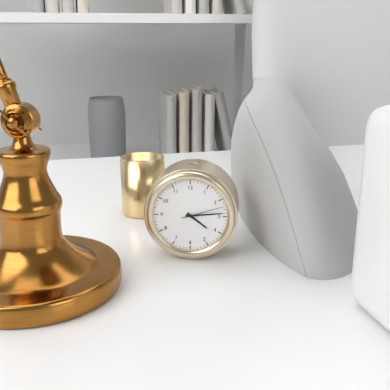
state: 4:14
